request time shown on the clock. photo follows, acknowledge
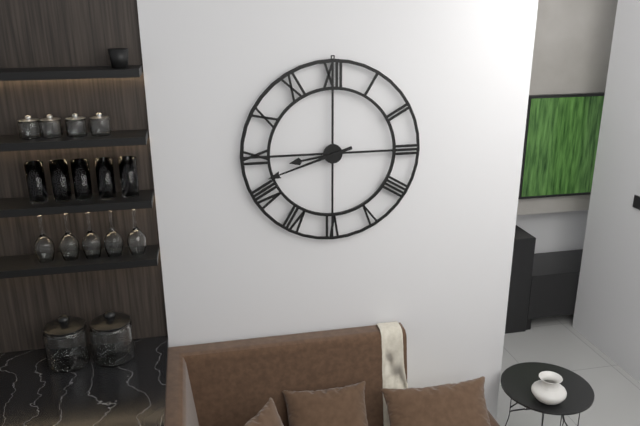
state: 8:42
